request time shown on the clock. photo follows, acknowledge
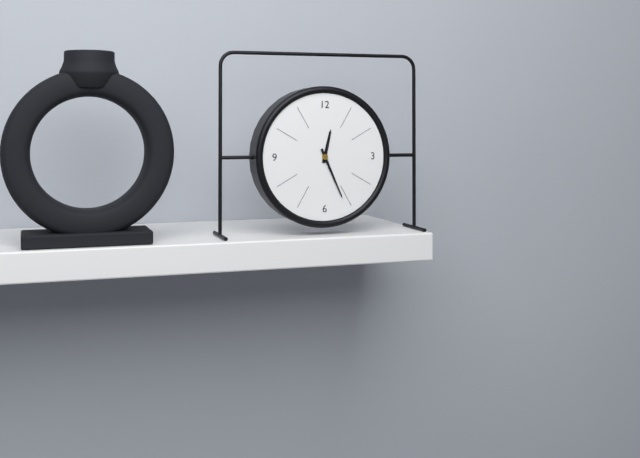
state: 12:26
